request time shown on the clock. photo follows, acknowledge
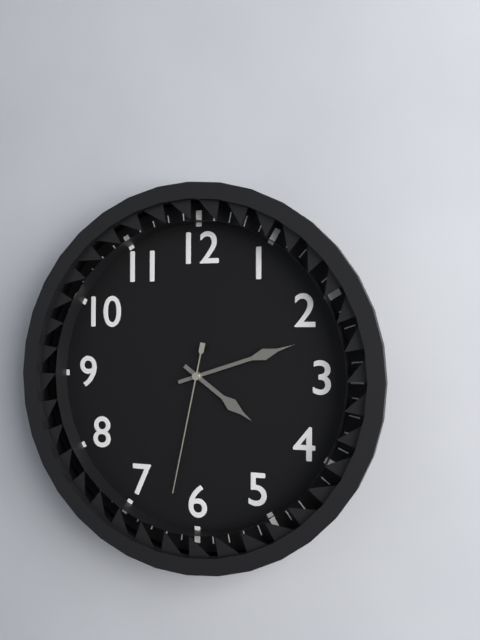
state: 4:12:32
